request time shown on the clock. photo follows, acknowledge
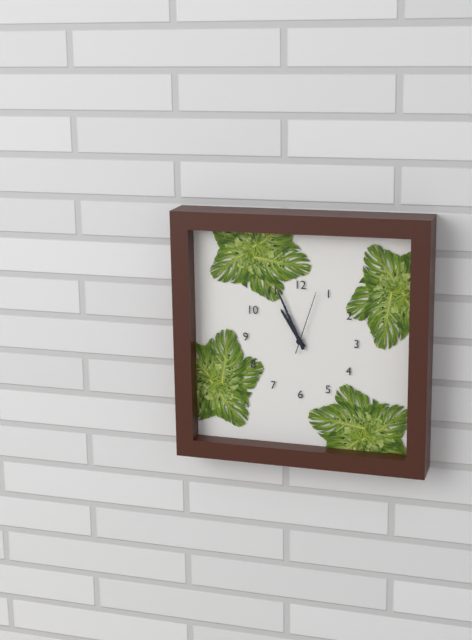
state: 10:56:03
